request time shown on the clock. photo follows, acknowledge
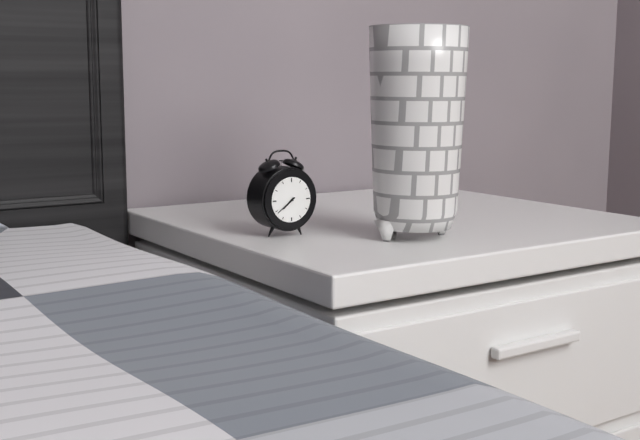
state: 7:39
